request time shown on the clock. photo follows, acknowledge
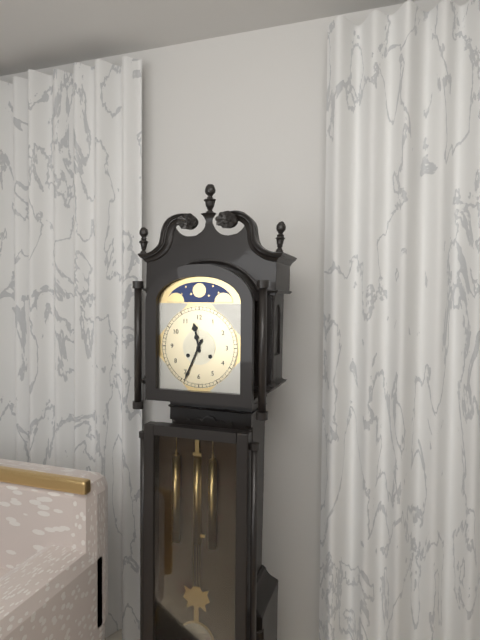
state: 11:34
